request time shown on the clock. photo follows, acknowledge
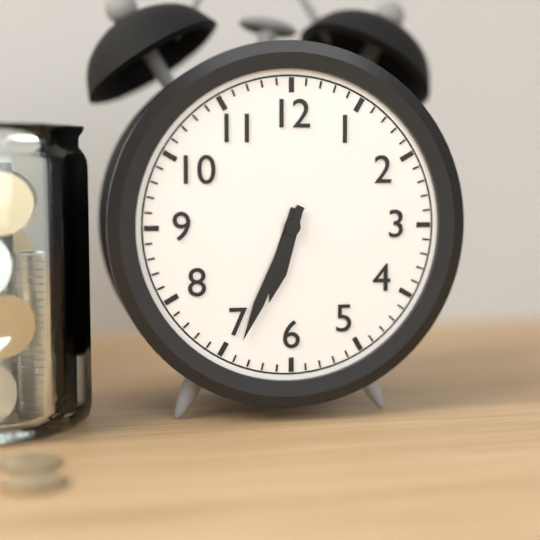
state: 6:34
